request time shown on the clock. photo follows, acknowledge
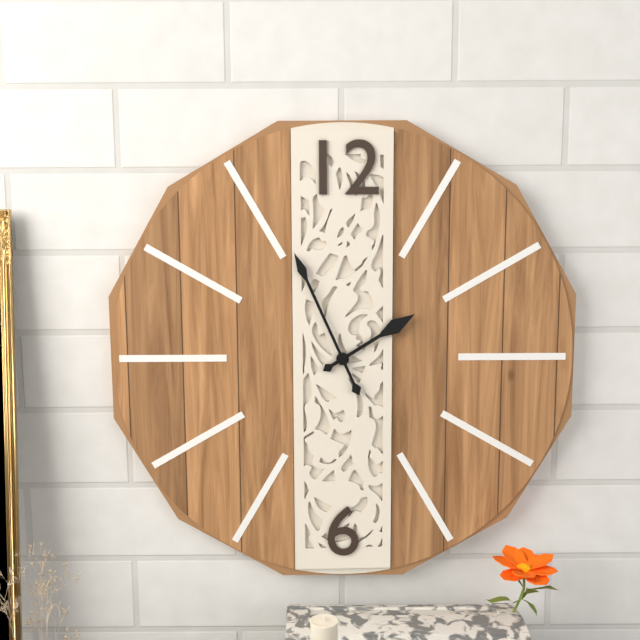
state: 1:56
